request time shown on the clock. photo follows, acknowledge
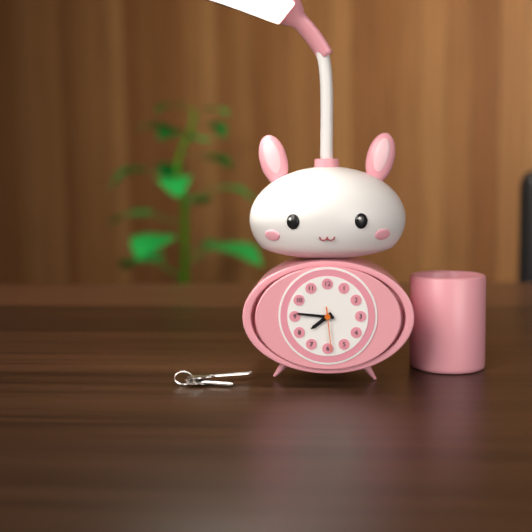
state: 7:46
